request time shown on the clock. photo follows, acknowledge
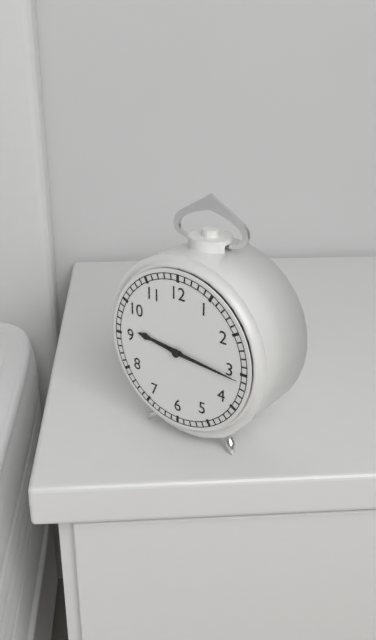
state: 9:16
